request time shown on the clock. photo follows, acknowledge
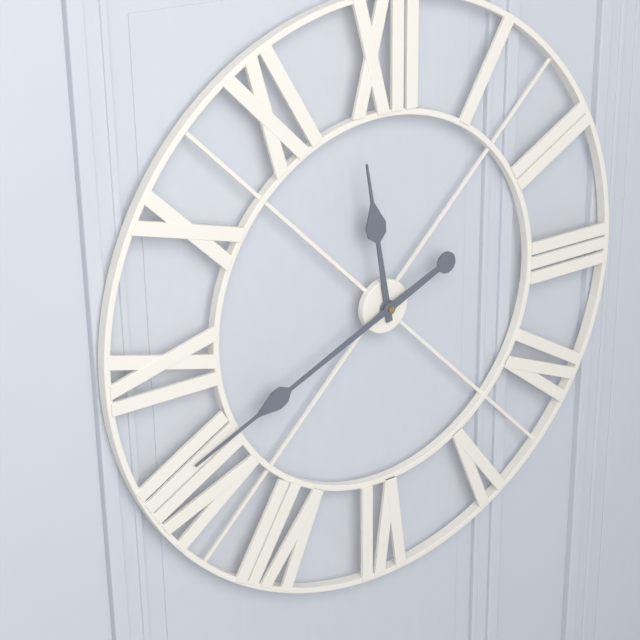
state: 11:41
